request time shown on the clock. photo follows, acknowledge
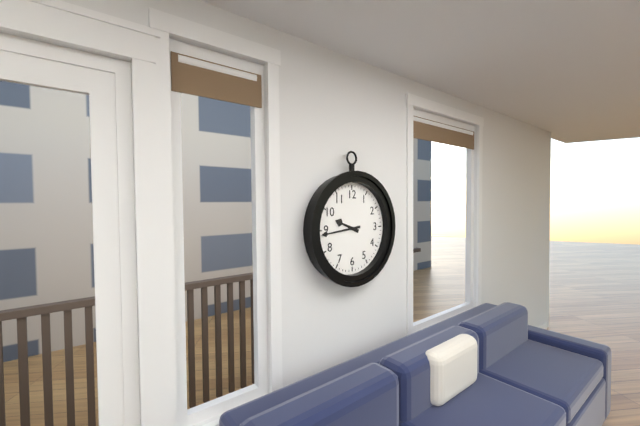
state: 9:44
